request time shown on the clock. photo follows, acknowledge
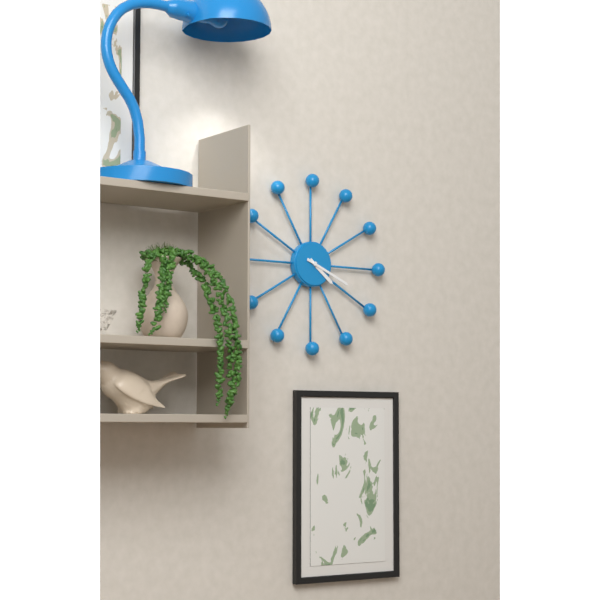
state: 4:19
